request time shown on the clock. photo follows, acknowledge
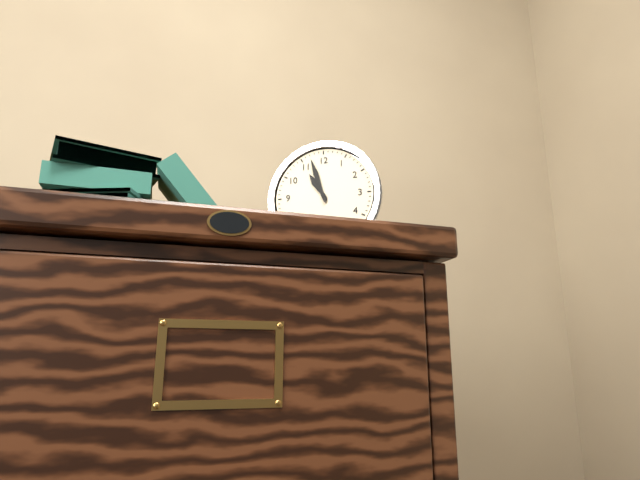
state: 10:57
